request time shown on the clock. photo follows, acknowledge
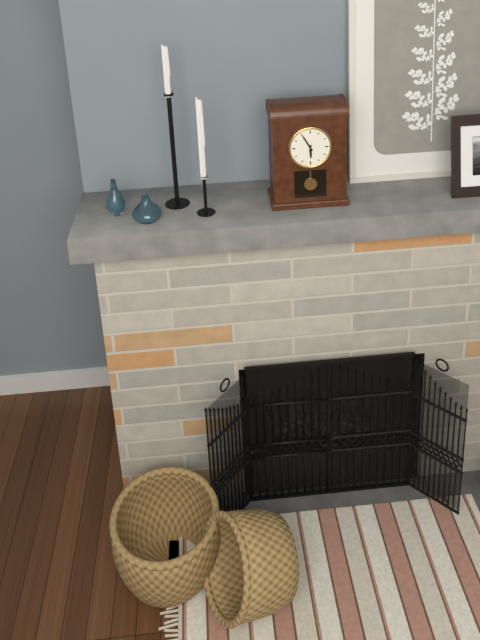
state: 5:55
